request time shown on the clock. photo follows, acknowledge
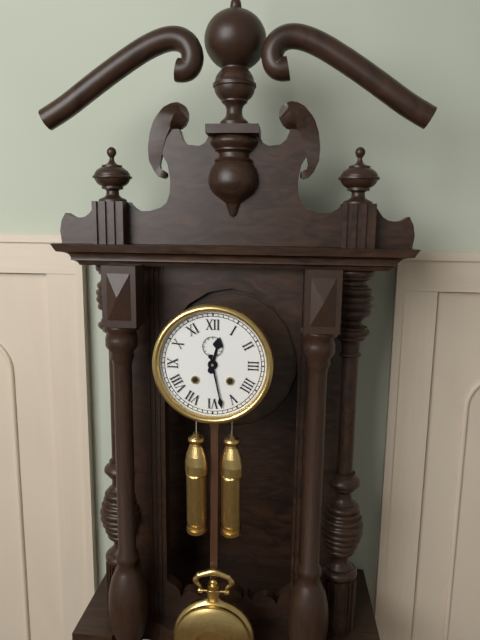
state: 12:28
